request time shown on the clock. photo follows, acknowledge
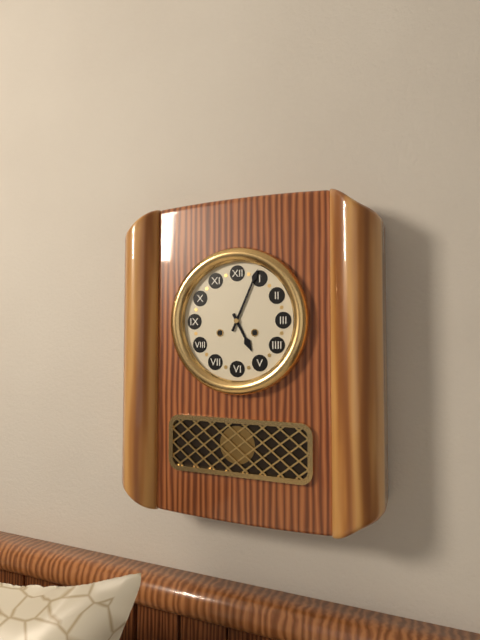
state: 5:04
